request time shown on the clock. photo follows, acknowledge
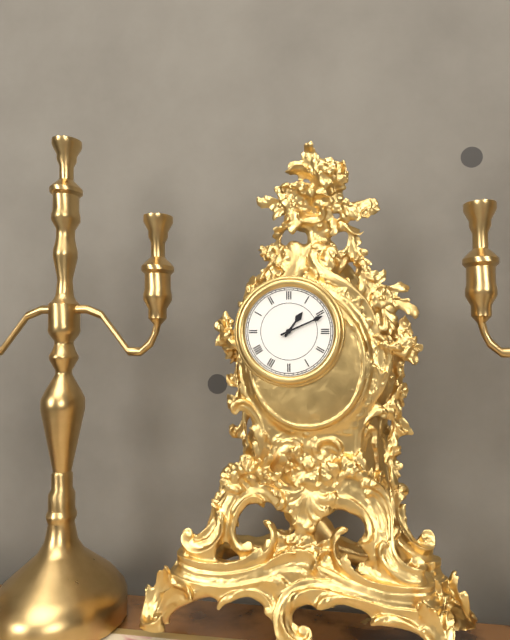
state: 1:11
